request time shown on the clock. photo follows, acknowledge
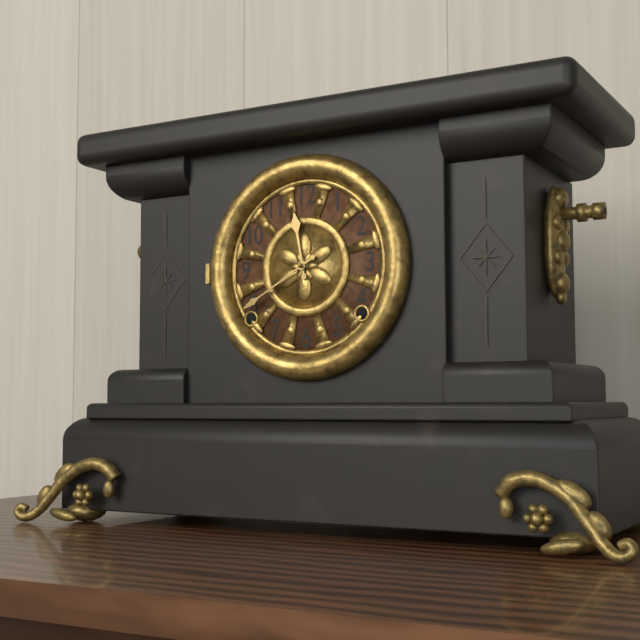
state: 11:40
